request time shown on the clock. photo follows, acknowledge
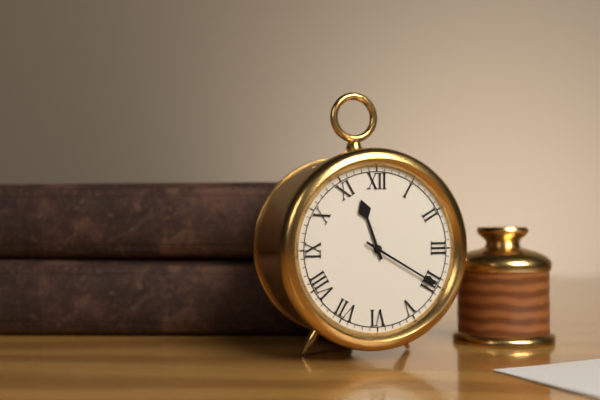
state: 11:20
